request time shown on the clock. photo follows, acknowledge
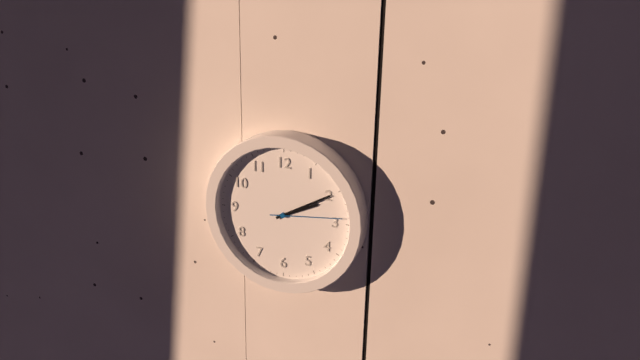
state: 2:10:14
